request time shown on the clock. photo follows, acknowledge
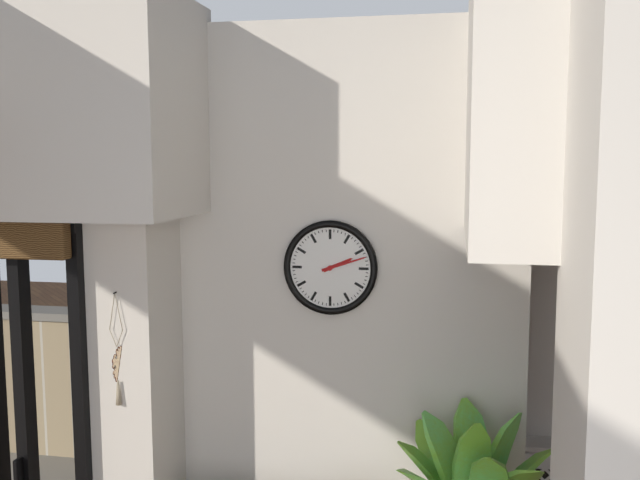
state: 2:12
